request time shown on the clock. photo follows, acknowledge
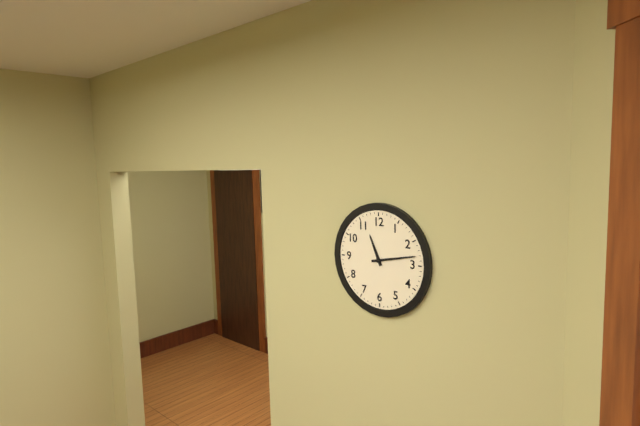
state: 11:13
